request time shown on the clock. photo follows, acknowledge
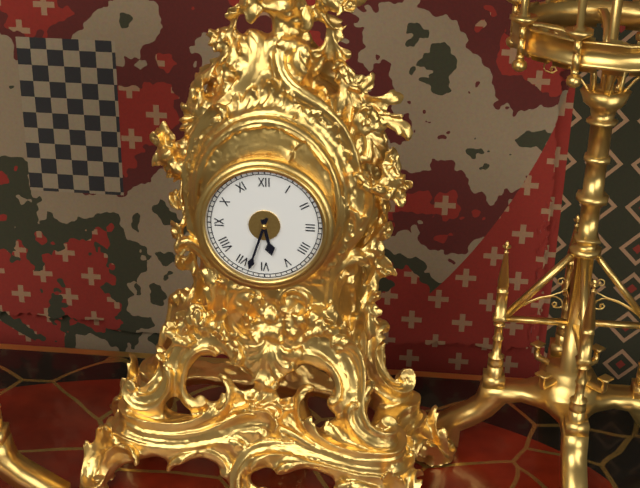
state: 5:33
